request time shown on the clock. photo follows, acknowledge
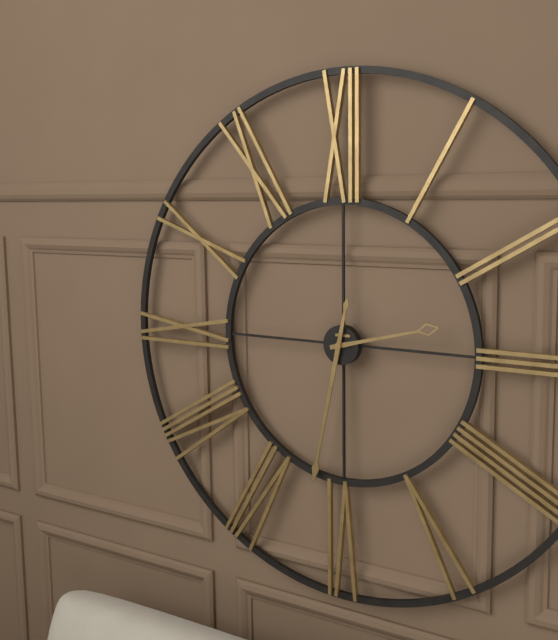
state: 2:32
